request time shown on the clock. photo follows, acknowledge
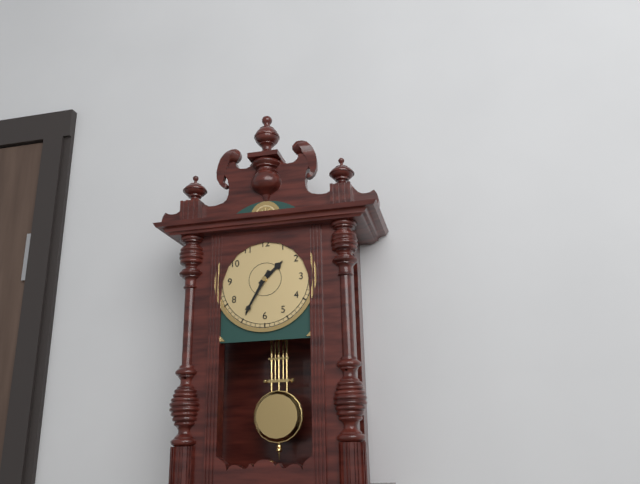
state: 1:35
